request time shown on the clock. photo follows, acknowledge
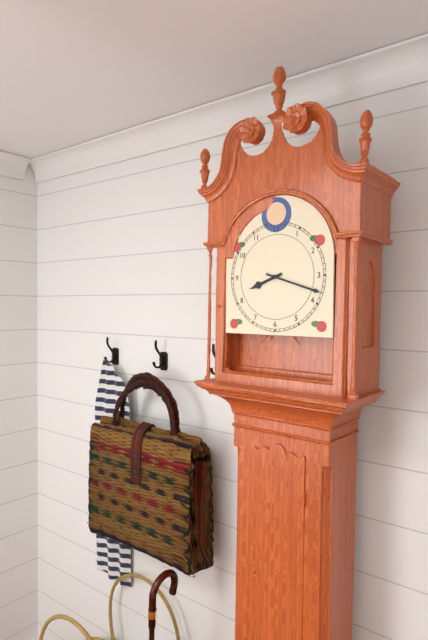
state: 8:18
